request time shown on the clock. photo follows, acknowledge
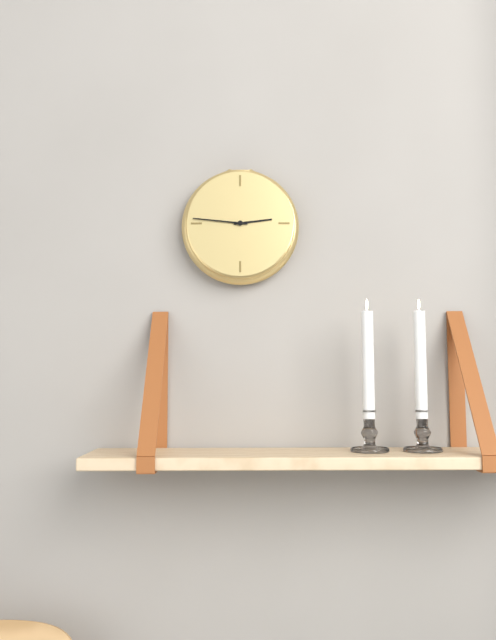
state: 2:46
